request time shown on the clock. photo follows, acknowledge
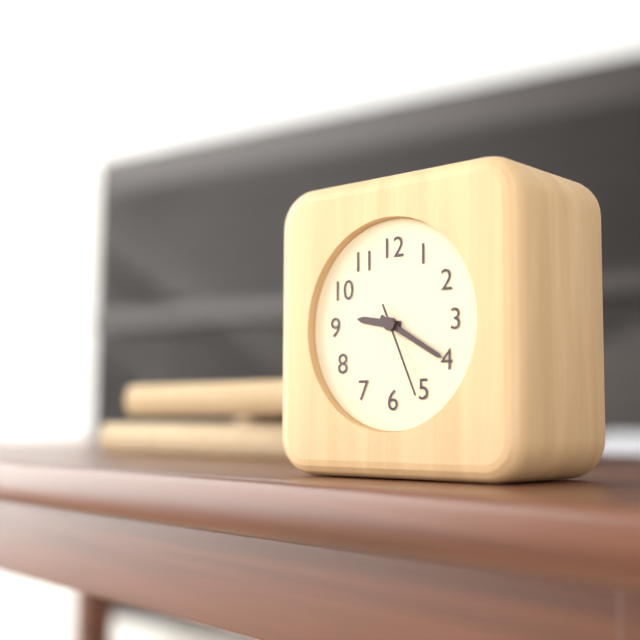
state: 9:20:26
